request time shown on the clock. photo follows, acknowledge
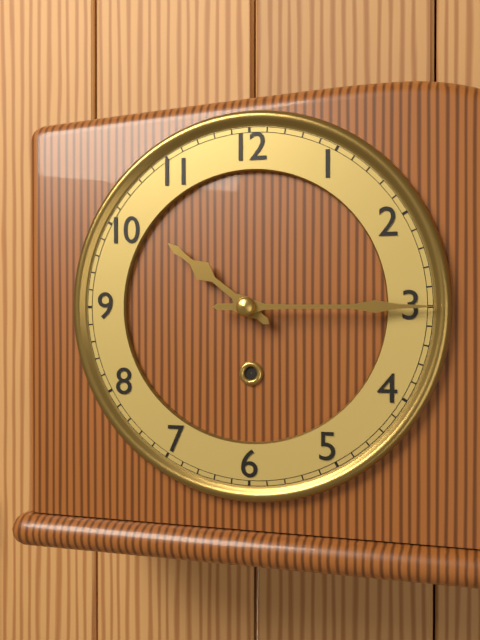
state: 10:15
